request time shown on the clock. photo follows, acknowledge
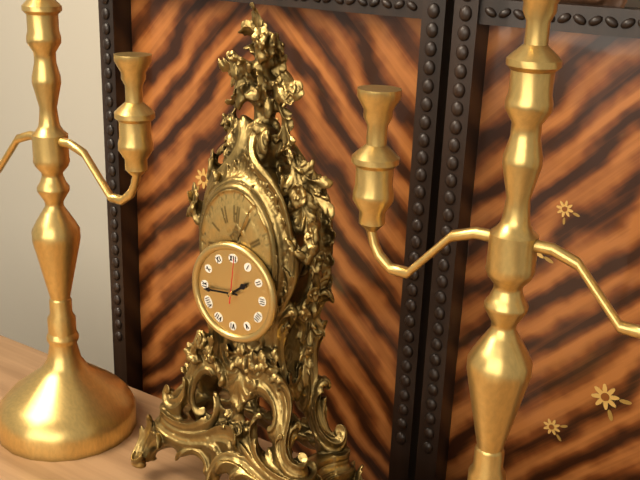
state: 1:44
